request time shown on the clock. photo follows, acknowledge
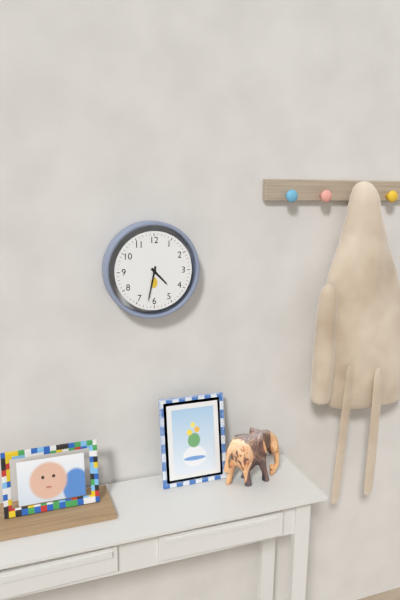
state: 4:32
